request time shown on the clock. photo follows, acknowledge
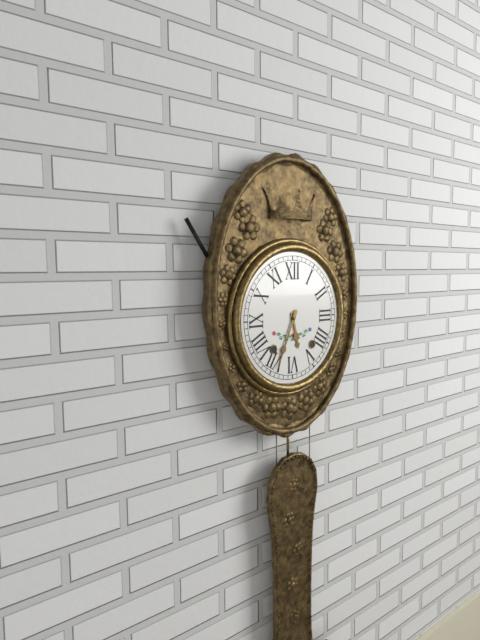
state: 5:34
